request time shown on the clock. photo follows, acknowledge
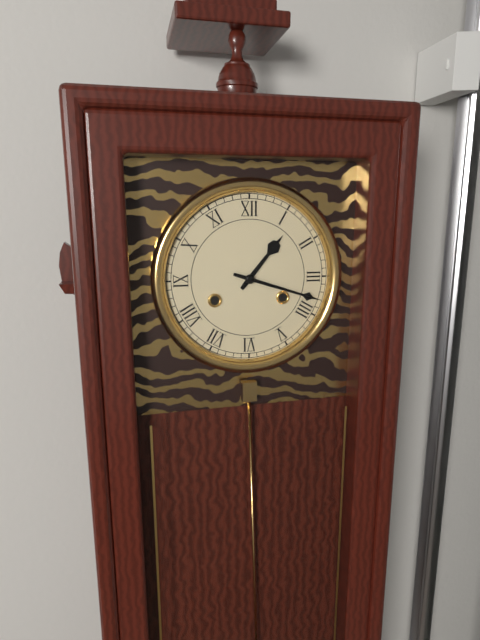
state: 1:18
